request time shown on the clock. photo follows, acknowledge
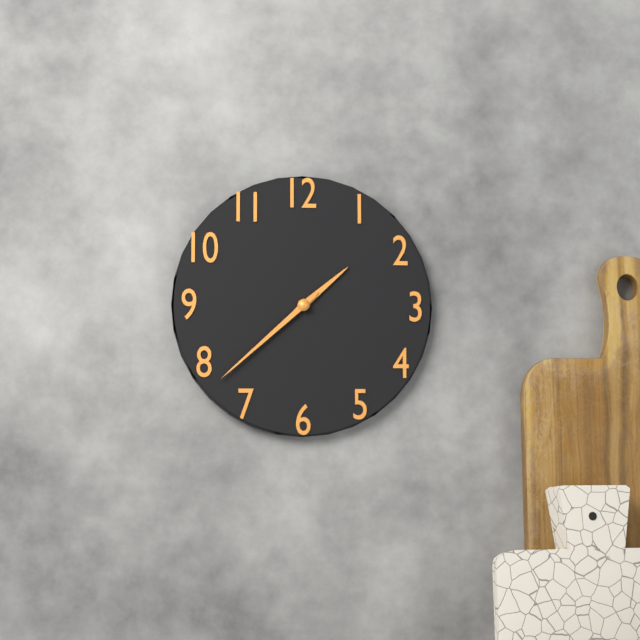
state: 1:38
